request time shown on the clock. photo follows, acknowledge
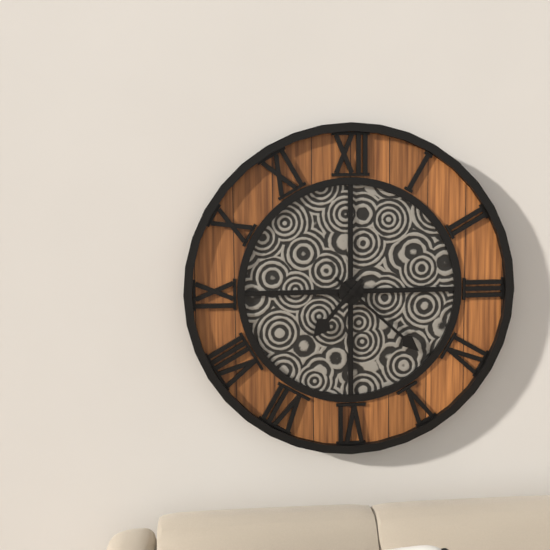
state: 7:22
